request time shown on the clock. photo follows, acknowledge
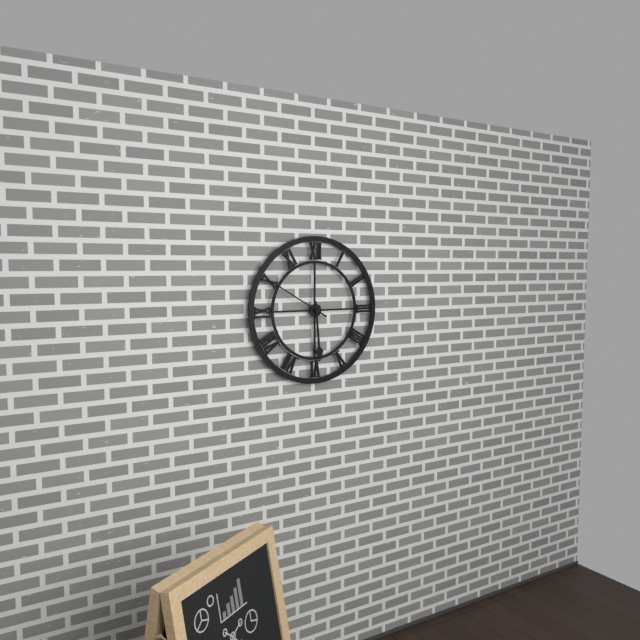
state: 5:50
